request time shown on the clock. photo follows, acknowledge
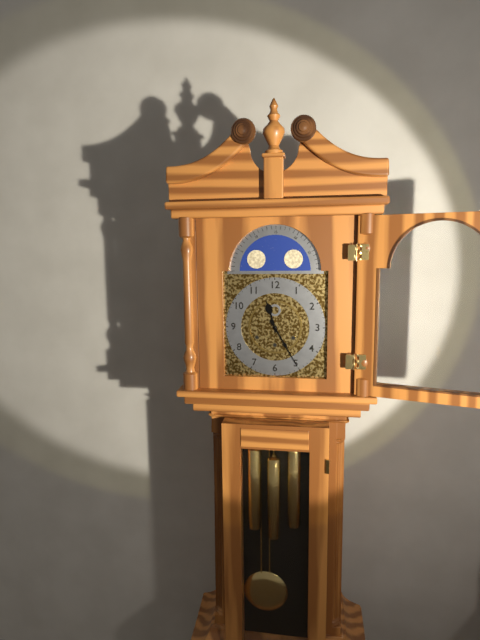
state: 11:25
